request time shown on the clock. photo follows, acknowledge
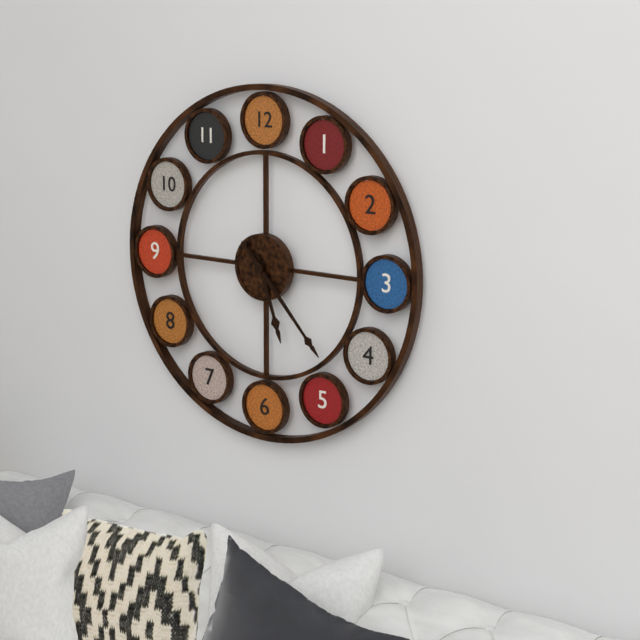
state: 5:23
